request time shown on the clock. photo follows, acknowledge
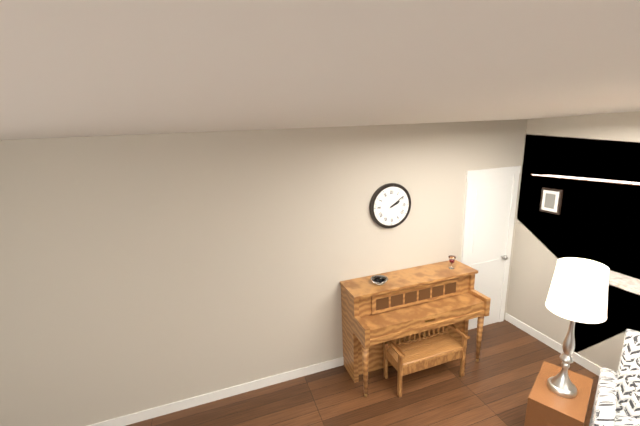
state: 2:09
